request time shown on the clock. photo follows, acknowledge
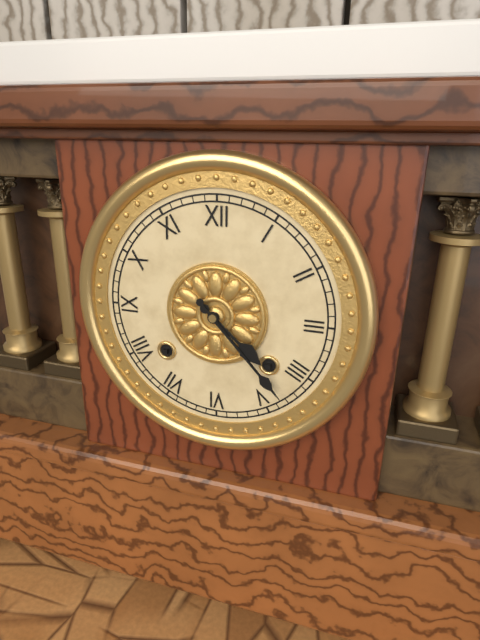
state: 4:23
